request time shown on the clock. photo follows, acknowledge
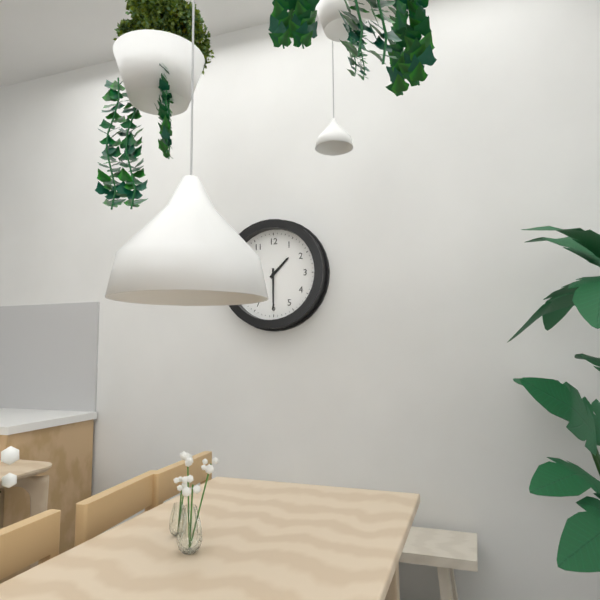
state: 1:30
